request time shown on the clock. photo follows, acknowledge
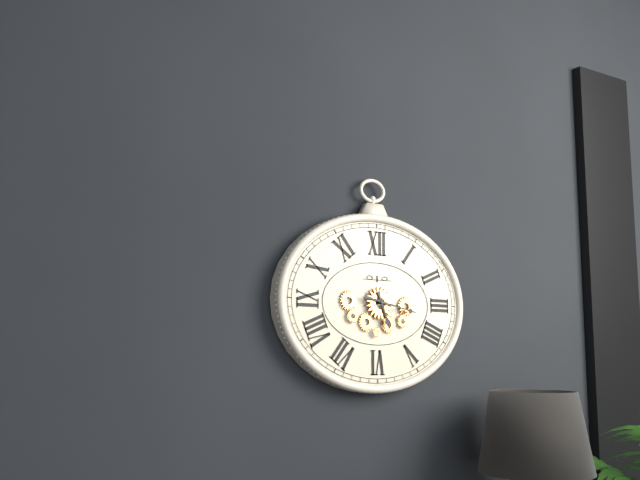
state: 5:17
